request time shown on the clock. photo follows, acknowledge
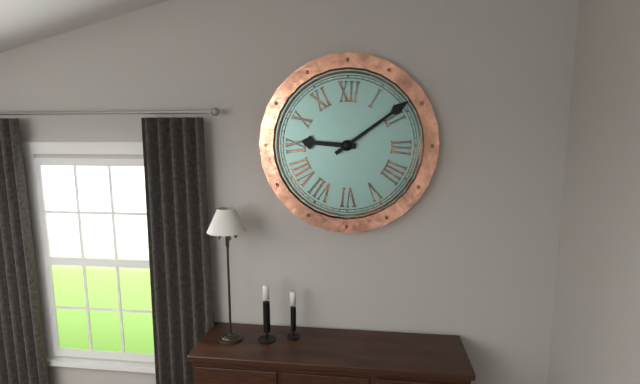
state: 9:09
